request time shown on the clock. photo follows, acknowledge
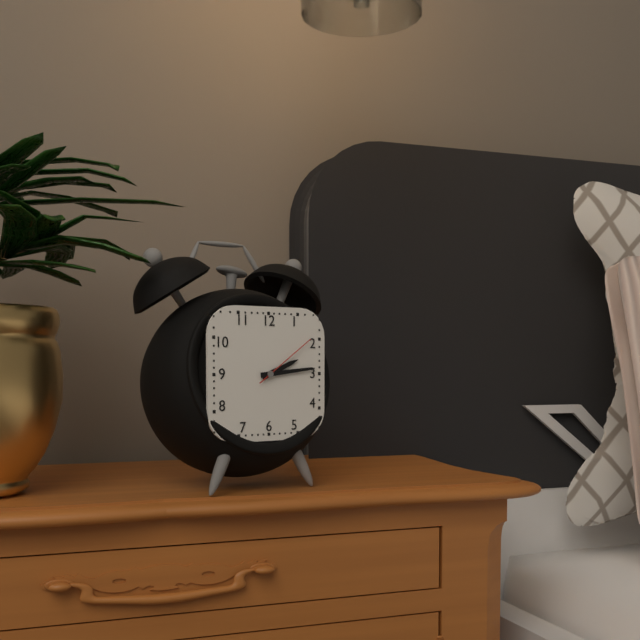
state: 2:14:09
